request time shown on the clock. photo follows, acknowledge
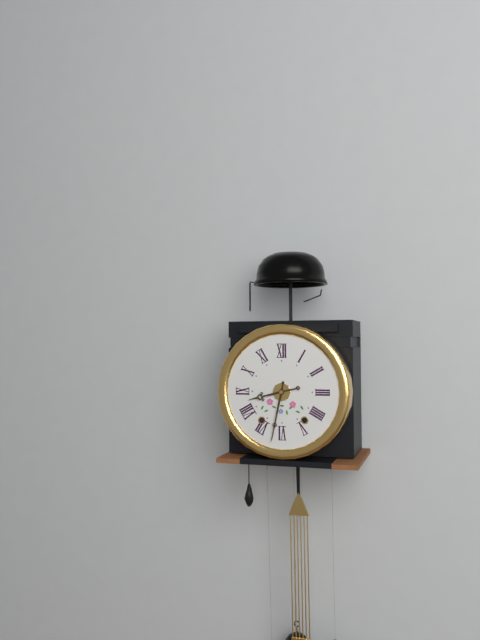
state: 8:32
